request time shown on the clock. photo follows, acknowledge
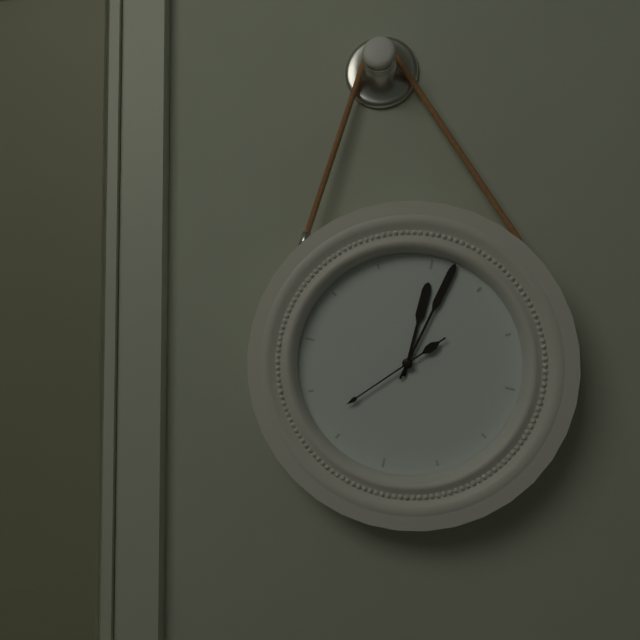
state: 12:02:37
